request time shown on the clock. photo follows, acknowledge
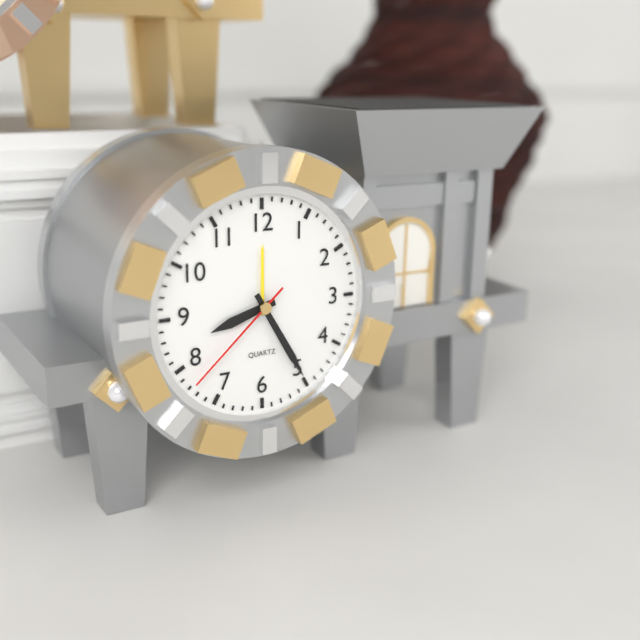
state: 8:25:38
